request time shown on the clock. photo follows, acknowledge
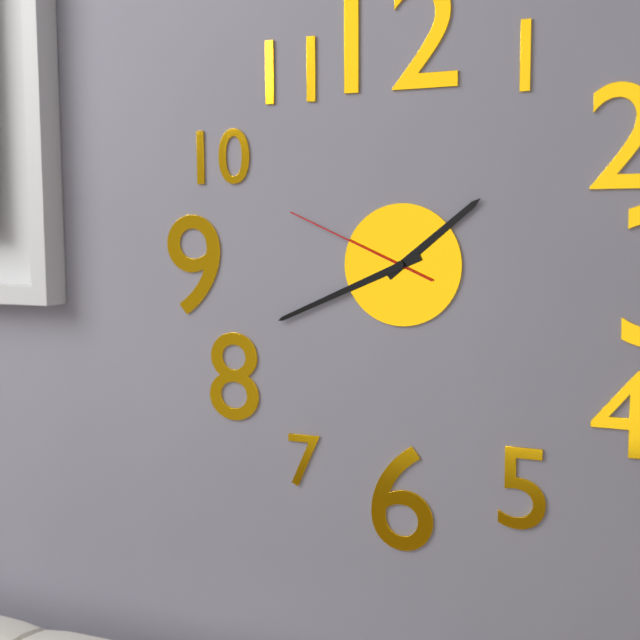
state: 1:41:49
